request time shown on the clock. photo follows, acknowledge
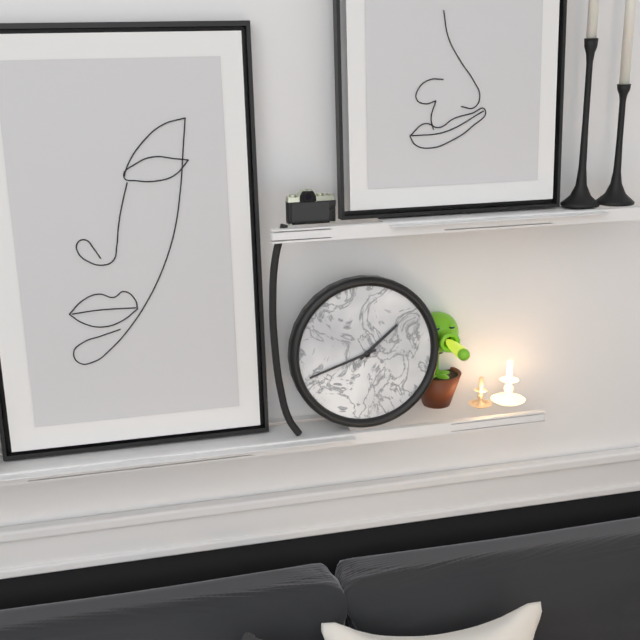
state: 1:42
